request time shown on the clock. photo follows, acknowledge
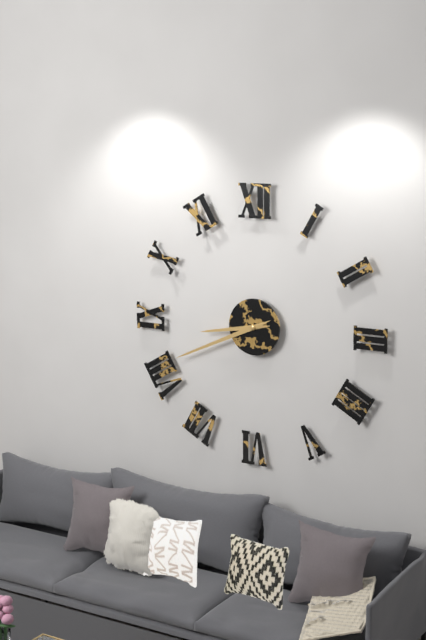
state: 8:41
